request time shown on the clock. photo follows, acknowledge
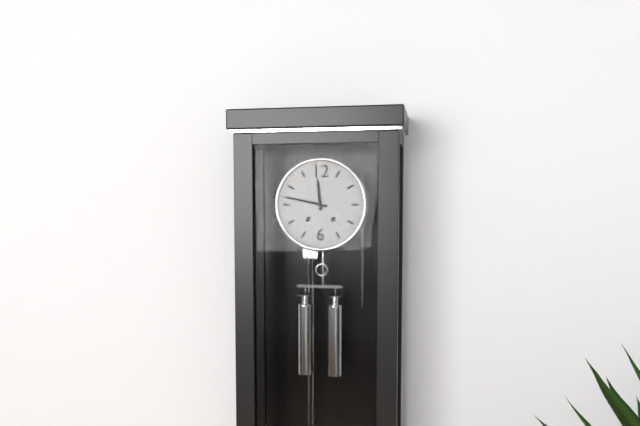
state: 11:47
